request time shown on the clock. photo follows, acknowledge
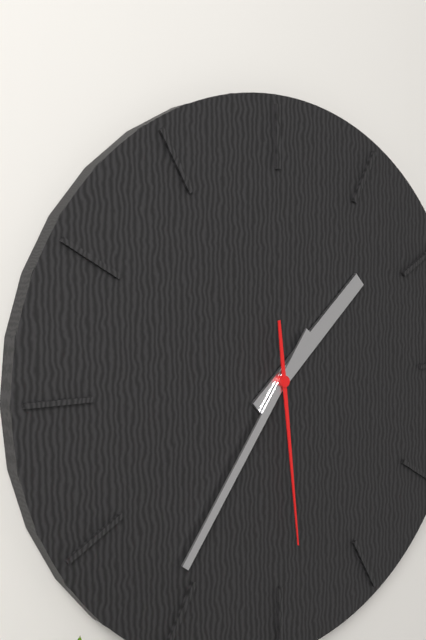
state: 1:36:29
